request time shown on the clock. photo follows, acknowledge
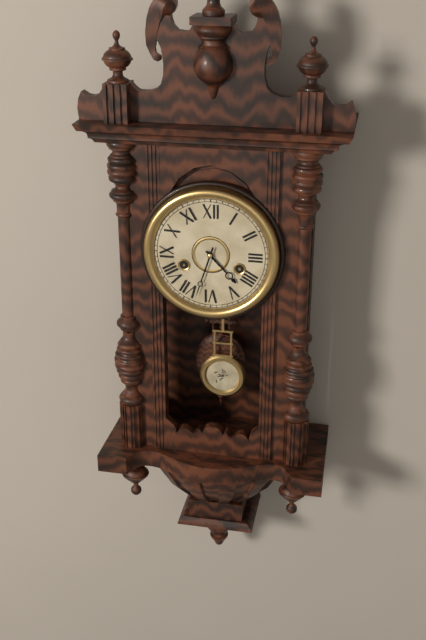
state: 4:33
